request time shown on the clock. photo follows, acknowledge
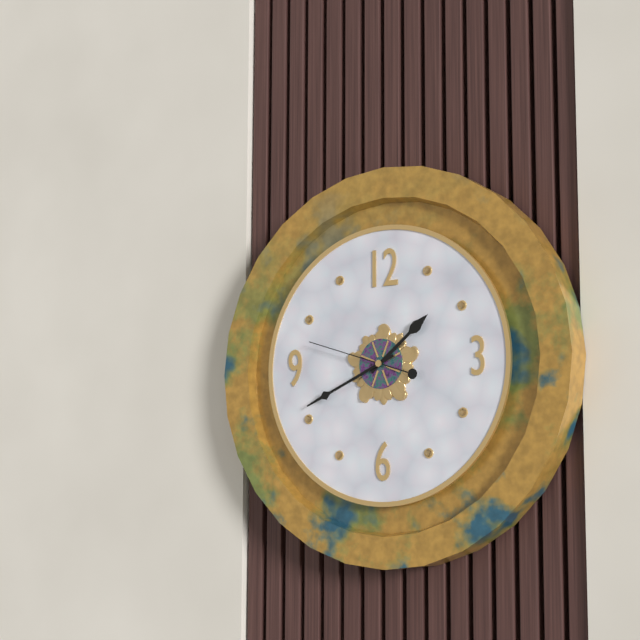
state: 1:41:48
